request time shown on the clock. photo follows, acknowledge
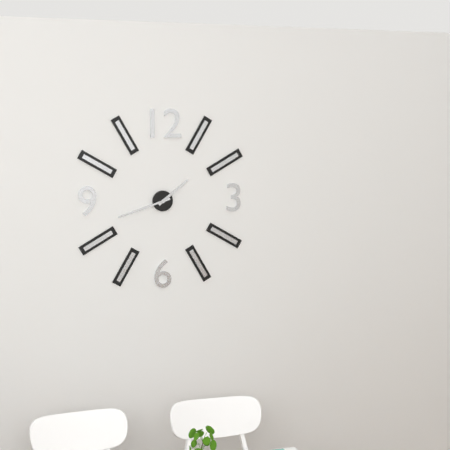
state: 1:42
